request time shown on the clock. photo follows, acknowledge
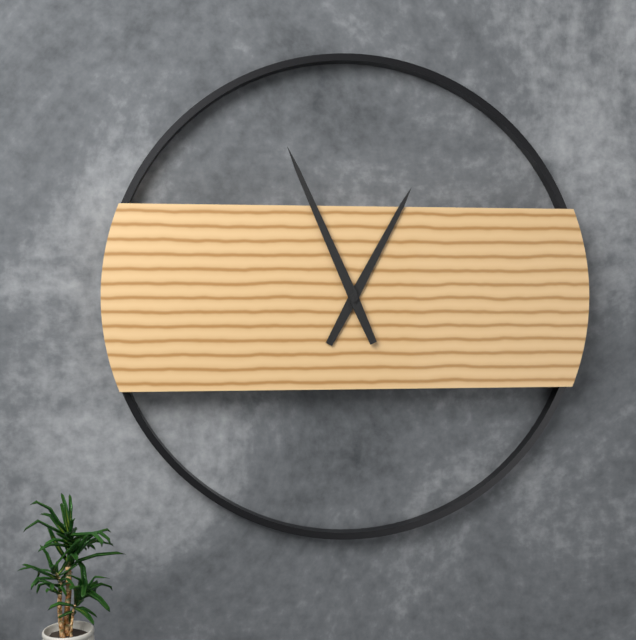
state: 12:56
